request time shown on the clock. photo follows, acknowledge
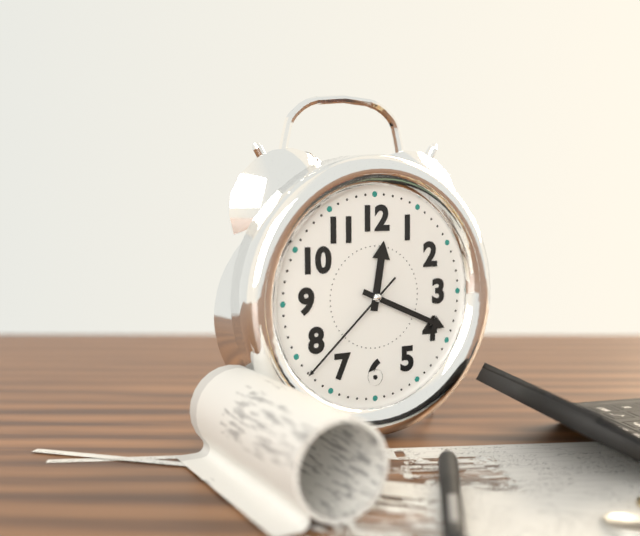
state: 12:19:38
